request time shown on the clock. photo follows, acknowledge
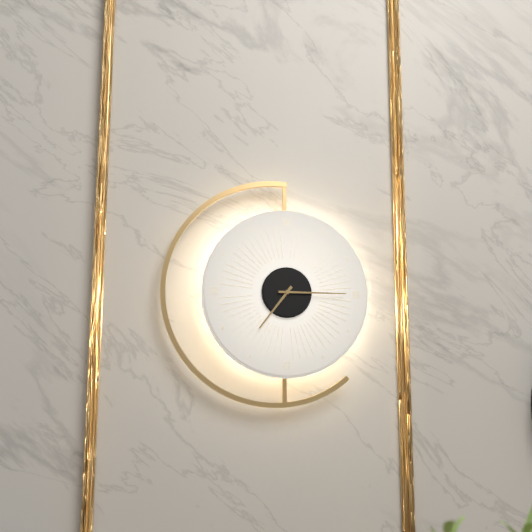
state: 7:15
